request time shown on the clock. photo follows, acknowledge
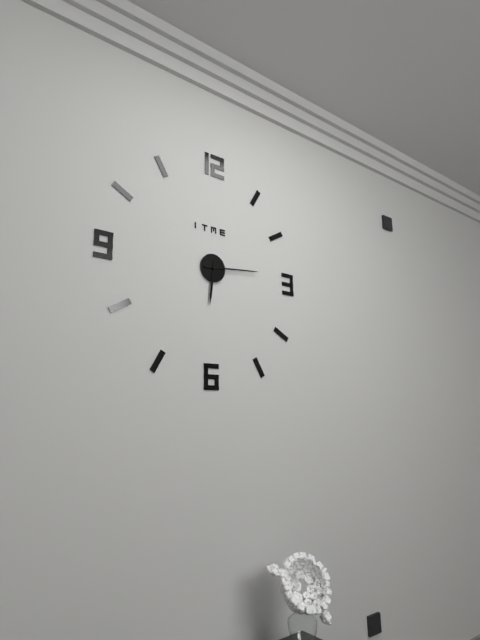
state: 6:14
